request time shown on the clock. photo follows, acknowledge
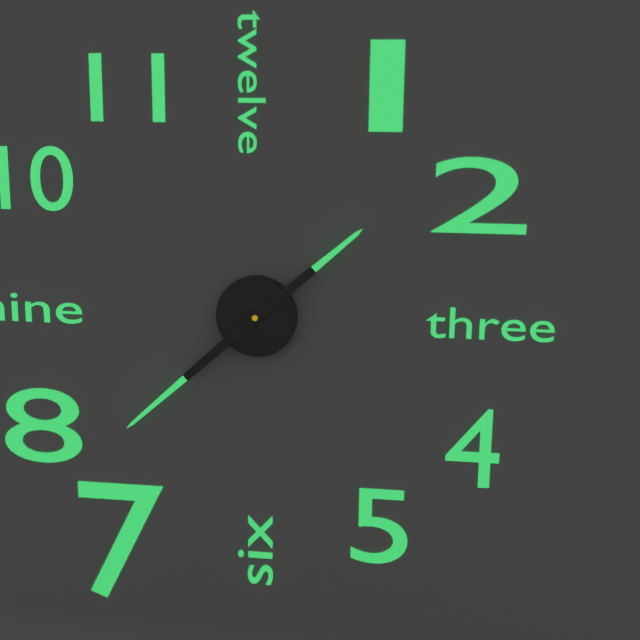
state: 1:38
